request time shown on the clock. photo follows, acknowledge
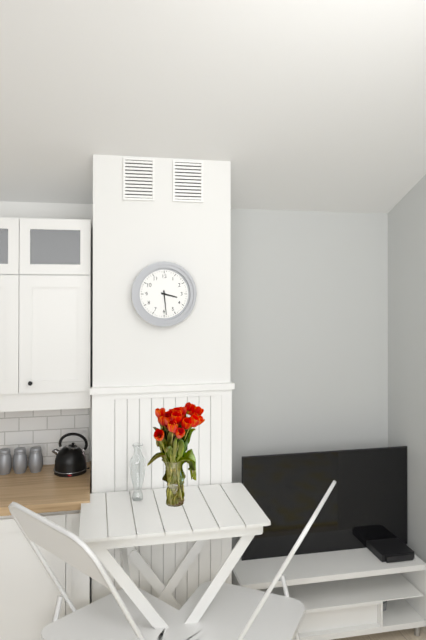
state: 3:29
